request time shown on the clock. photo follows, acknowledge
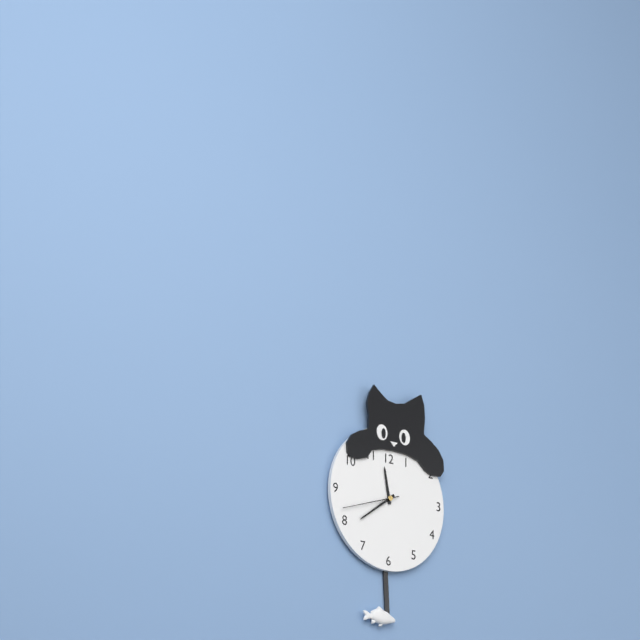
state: 11:39:42
